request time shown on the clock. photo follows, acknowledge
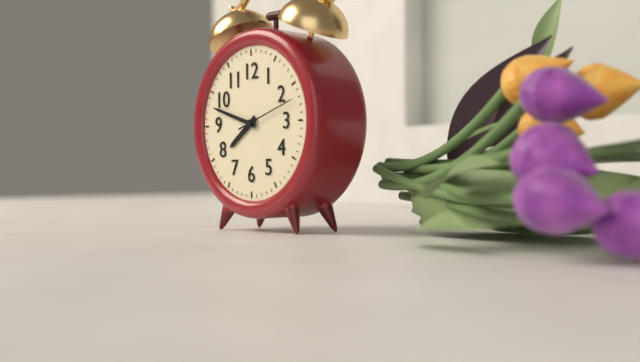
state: 7:48:12
